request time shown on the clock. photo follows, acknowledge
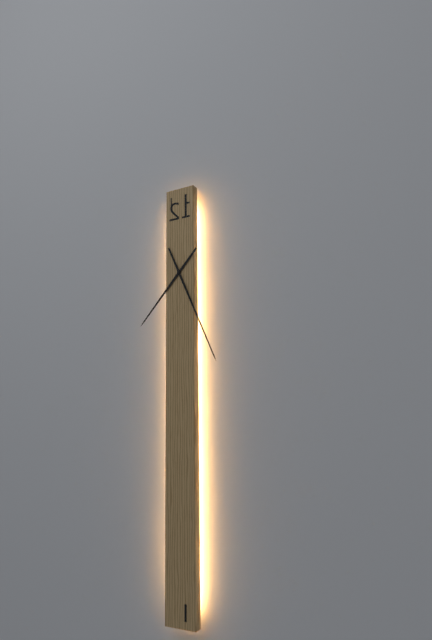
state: 7:26
